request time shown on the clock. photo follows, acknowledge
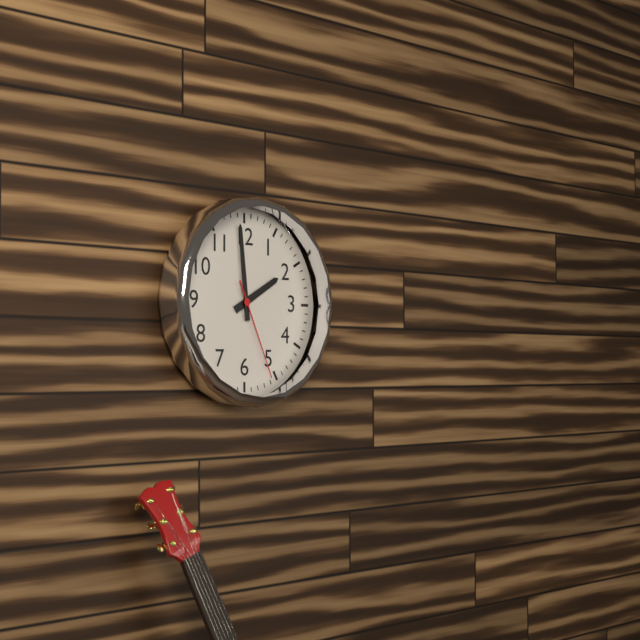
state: 1:59:26
